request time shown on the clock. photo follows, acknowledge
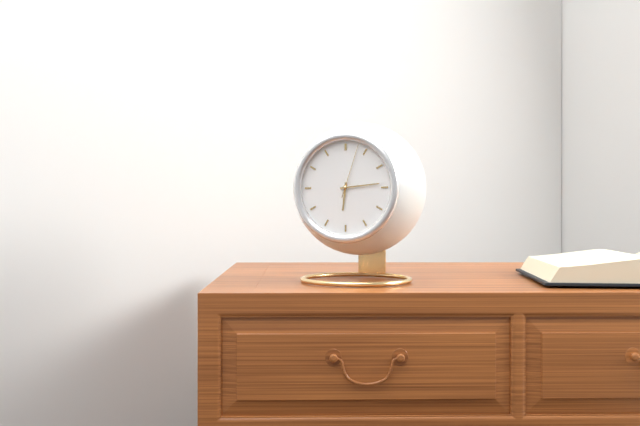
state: 6:14:03
